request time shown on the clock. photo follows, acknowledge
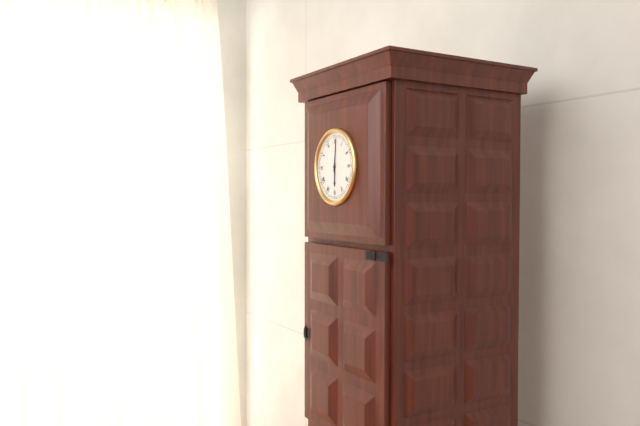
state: 6:01
